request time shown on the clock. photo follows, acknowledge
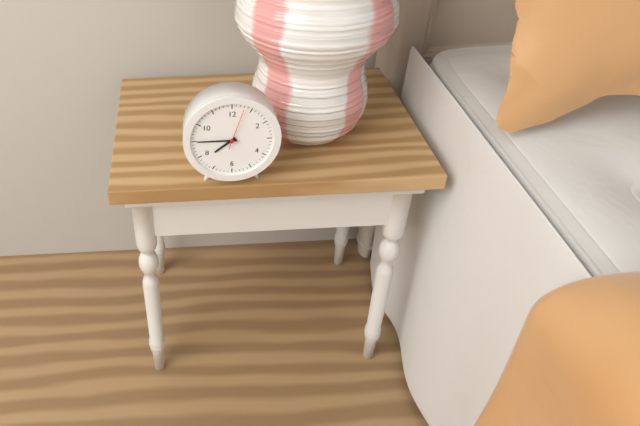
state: 7:45
